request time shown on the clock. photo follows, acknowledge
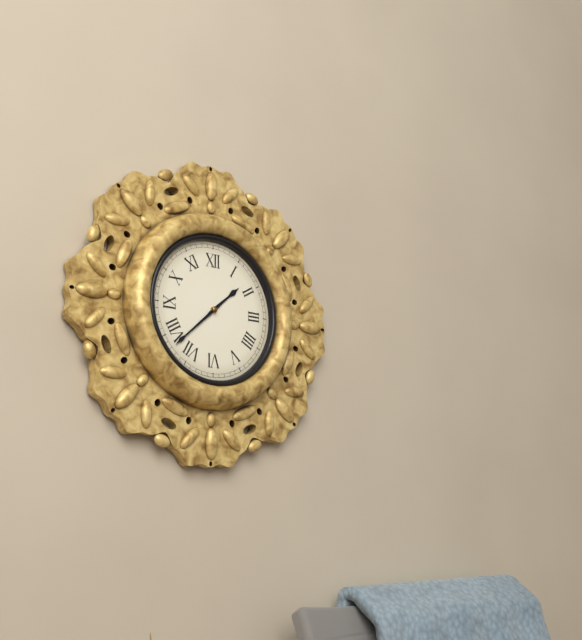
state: 1:38
